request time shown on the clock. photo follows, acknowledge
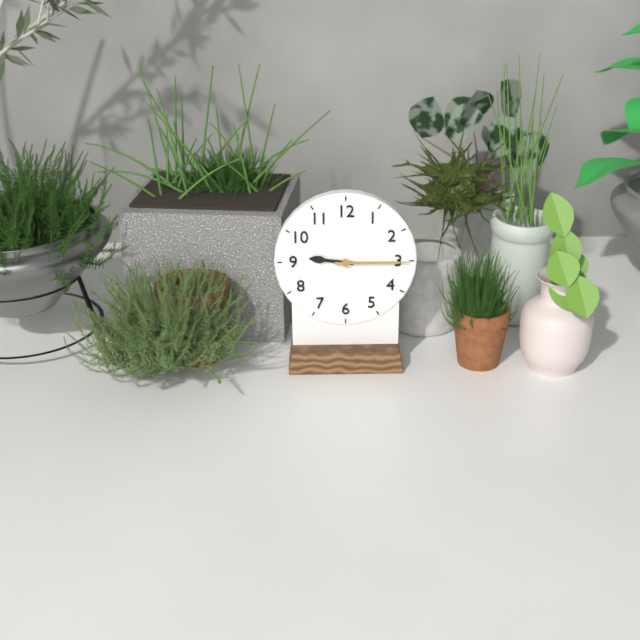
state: 9:15
